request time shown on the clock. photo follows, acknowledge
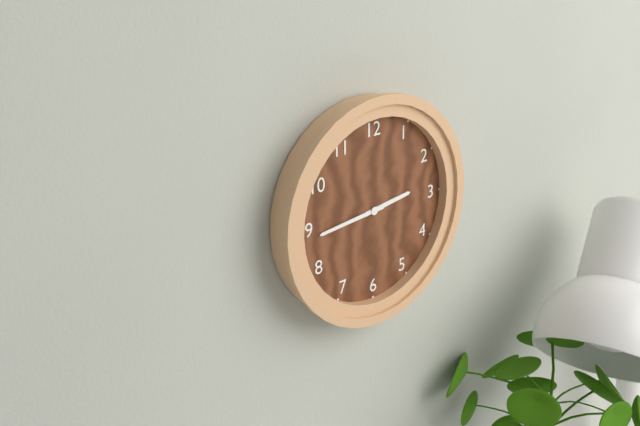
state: 2:44
